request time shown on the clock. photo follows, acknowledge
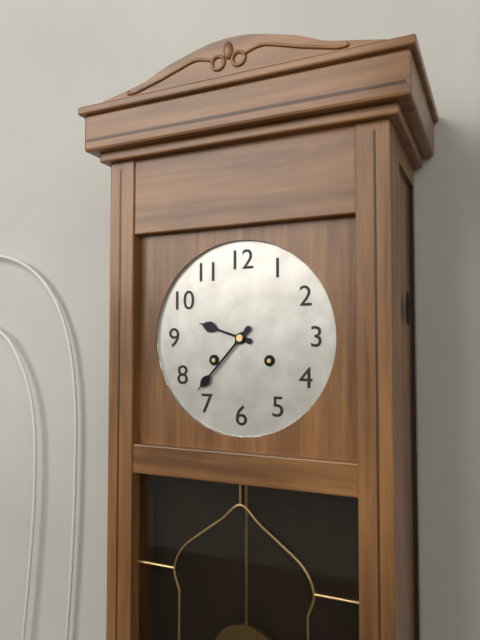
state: 9:37
